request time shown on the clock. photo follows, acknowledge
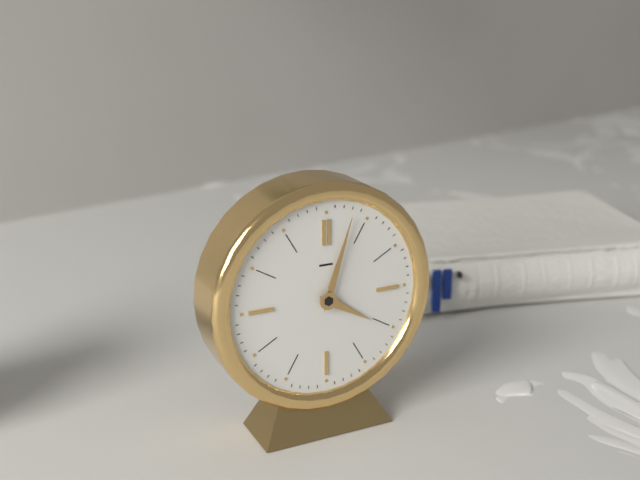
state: 4:03
